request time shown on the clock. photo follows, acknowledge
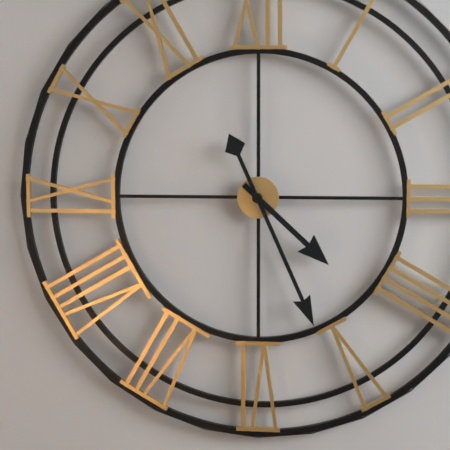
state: 4:26
